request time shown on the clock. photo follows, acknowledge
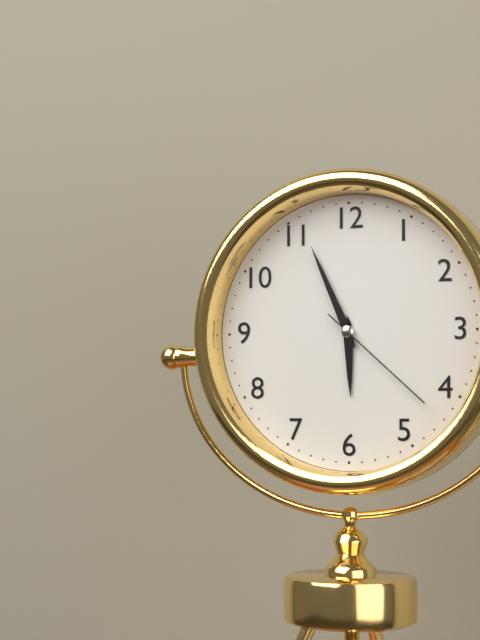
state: 5:56:22
